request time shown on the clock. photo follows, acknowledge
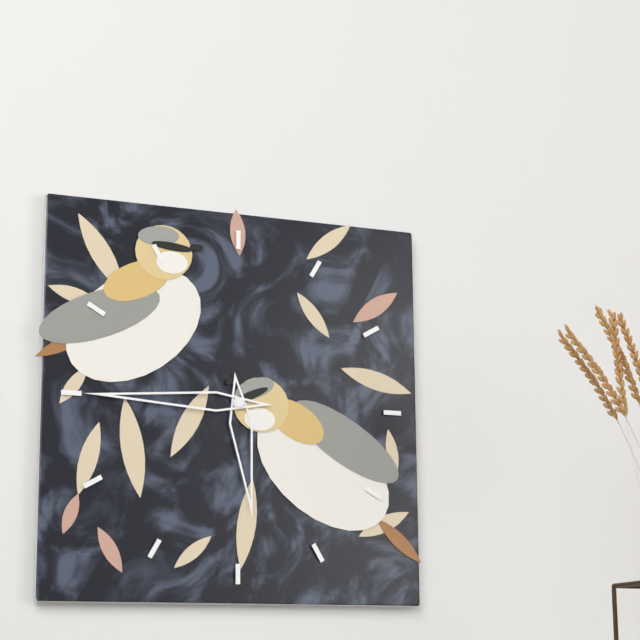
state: 5:45
